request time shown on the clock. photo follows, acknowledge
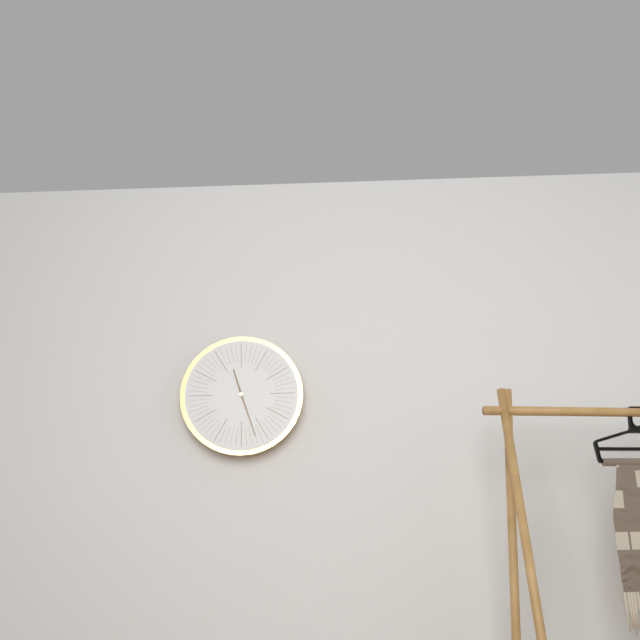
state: 11:27
